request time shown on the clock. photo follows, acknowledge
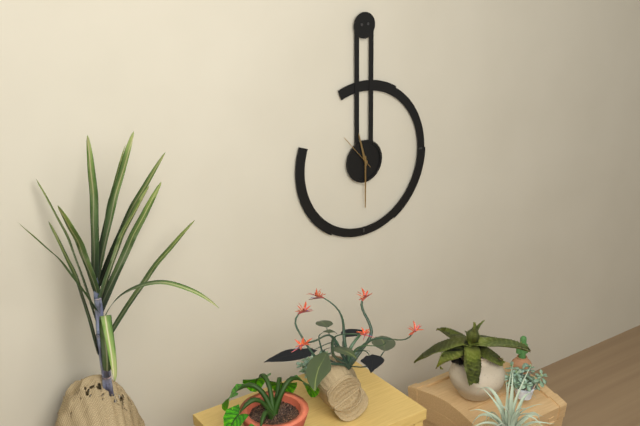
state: 11:30
